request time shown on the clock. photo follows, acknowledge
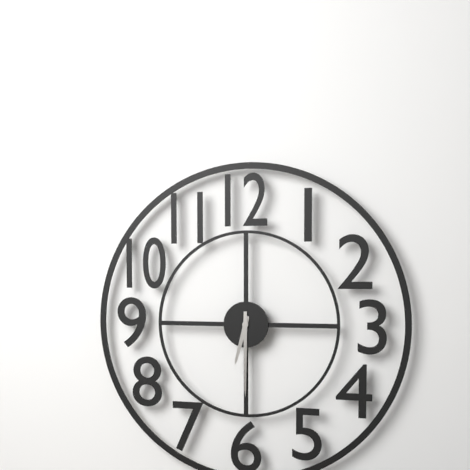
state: 6:30
